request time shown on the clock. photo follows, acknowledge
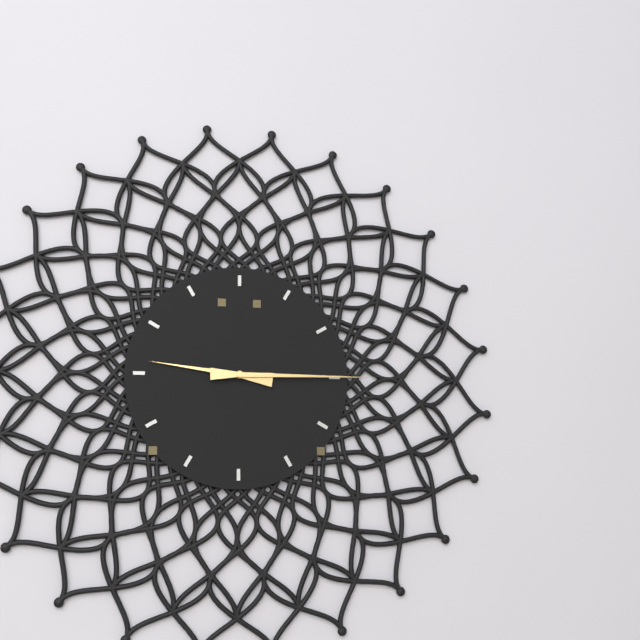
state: 9:15
